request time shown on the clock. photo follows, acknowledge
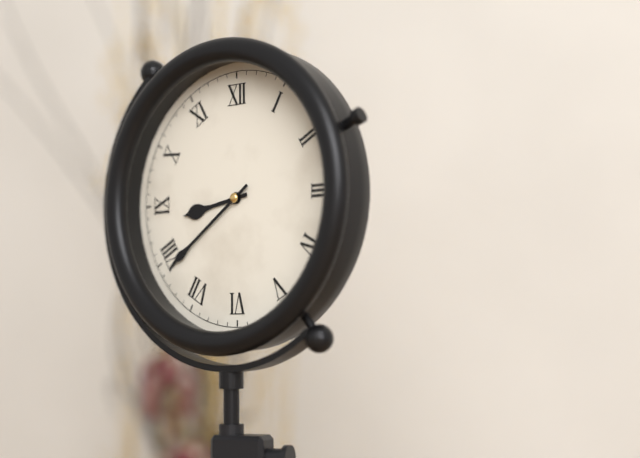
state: 8:39
